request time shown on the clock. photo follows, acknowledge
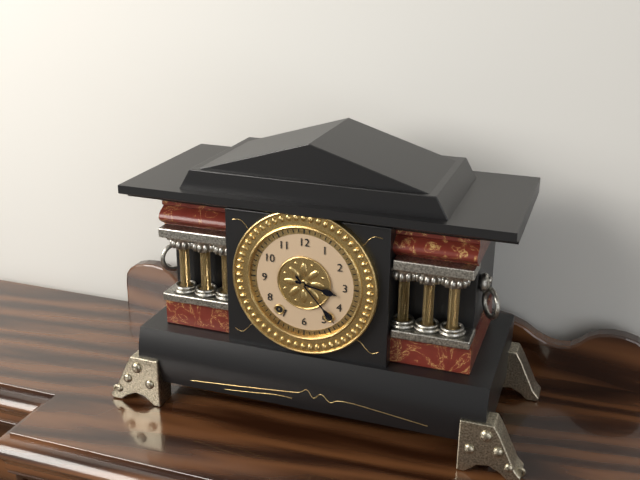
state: 3:23
